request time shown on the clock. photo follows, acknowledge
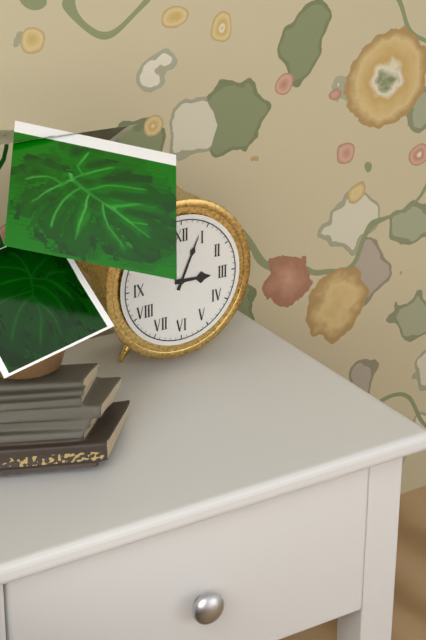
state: 3:04
